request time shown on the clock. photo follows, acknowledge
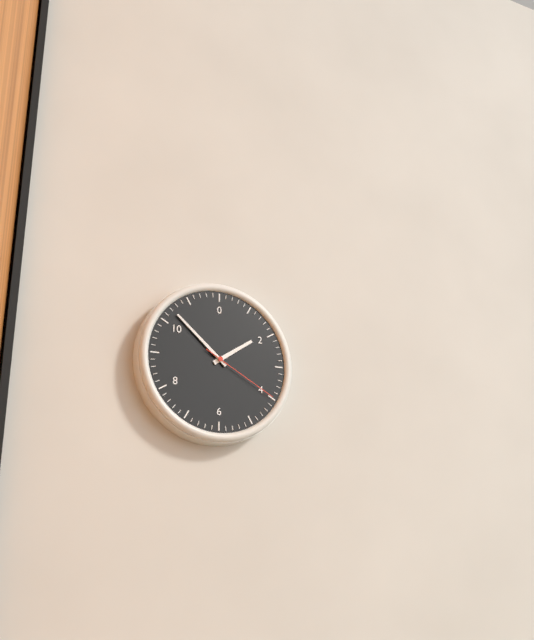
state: 1:52:20
